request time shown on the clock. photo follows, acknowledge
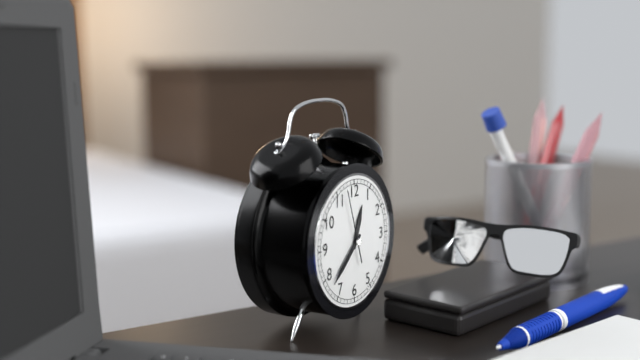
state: 12:38:57
